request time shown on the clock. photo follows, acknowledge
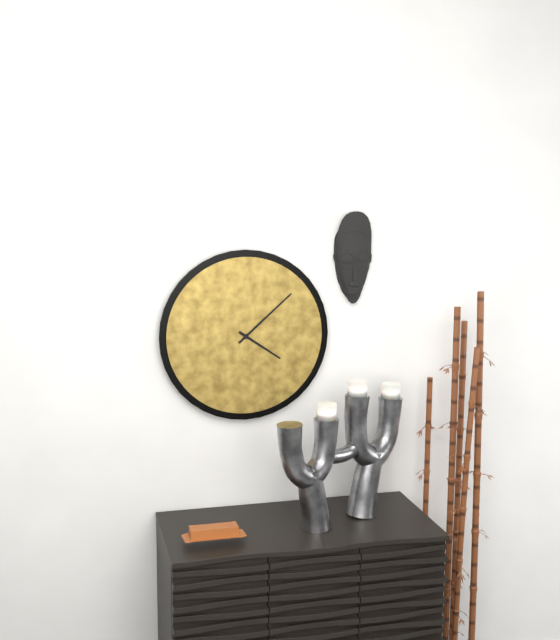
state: 4:08
